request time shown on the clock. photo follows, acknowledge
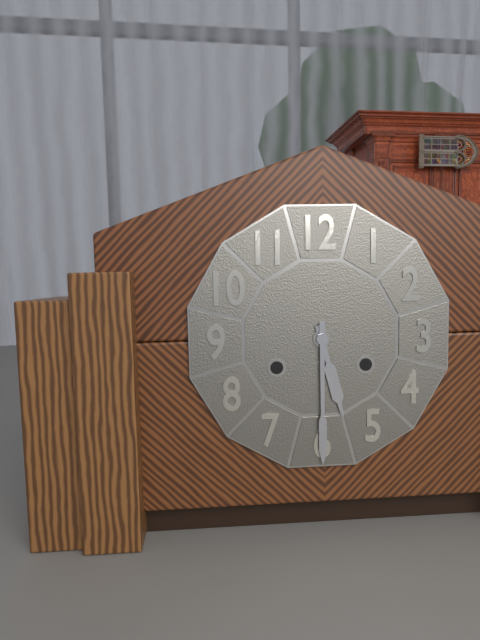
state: 5:30
